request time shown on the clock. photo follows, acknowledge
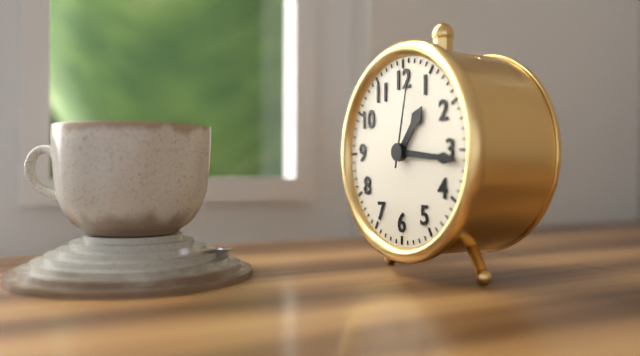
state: 1:16:02
